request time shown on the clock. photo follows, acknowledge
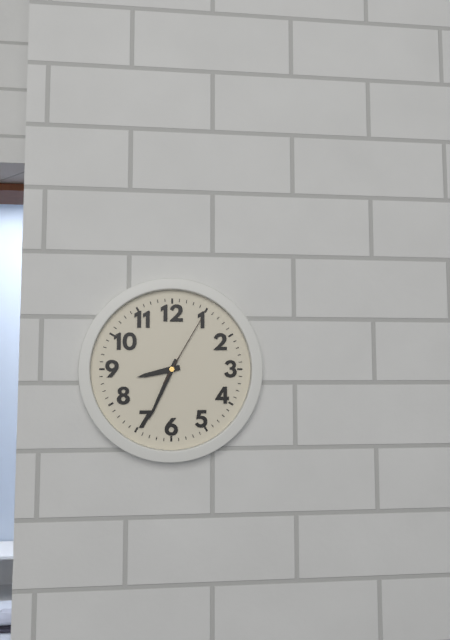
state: 8:34:05
